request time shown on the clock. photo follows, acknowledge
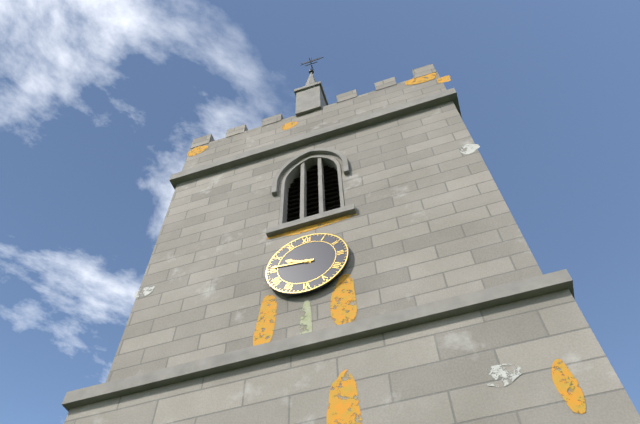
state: 9:46
